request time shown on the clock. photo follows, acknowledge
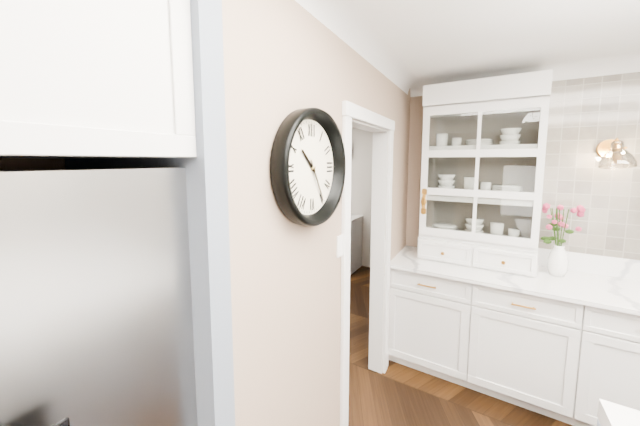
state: 10:25
